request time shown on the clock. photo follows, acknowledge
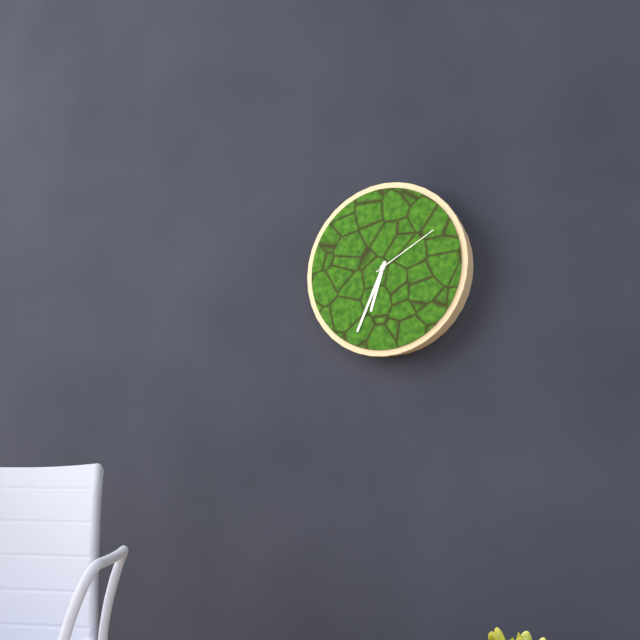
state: 6:34:10
